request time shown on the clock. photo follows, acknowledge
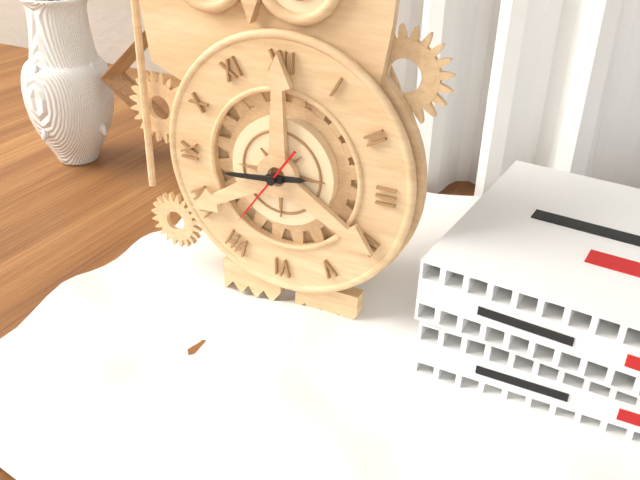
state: 2:44:36
